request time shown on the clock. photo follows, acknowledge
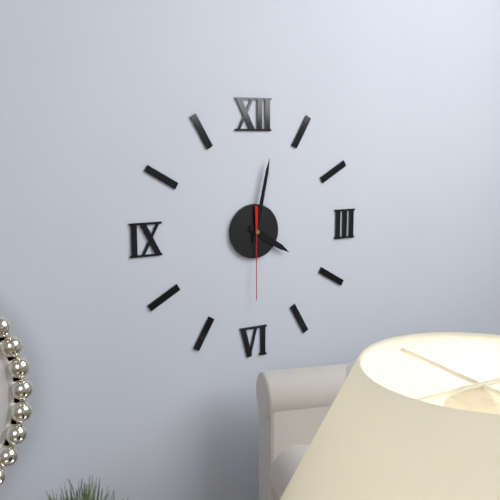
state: 4:02:30
